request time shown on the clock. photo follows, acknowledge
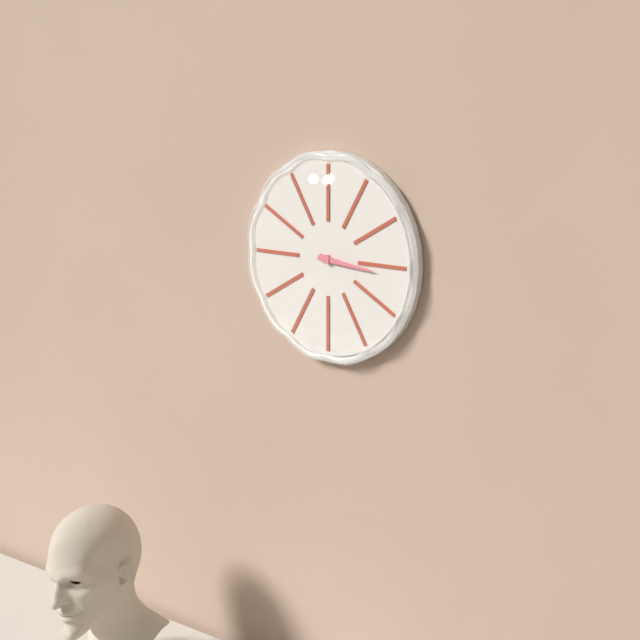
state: 3:16
